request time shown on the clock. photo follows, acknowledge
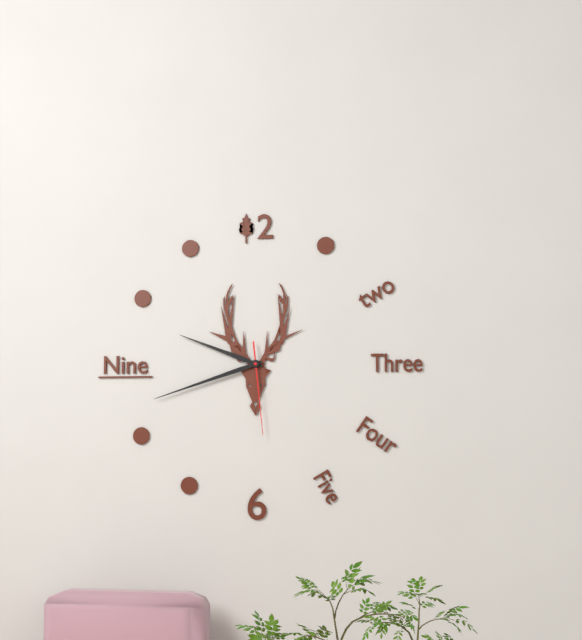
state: 9:42:29
